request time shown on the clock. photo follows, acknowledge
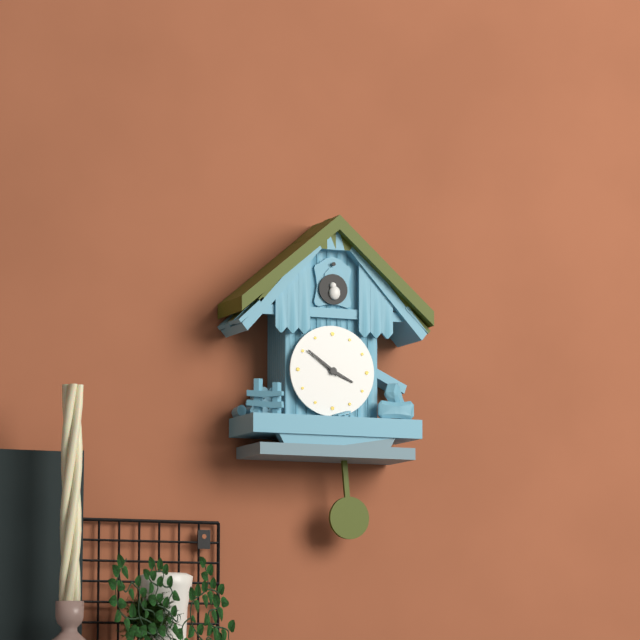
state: 3:51
